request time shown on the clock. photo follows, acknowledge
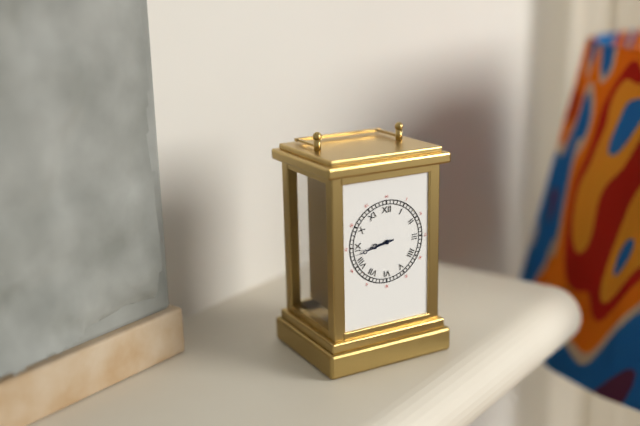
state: 8:43
